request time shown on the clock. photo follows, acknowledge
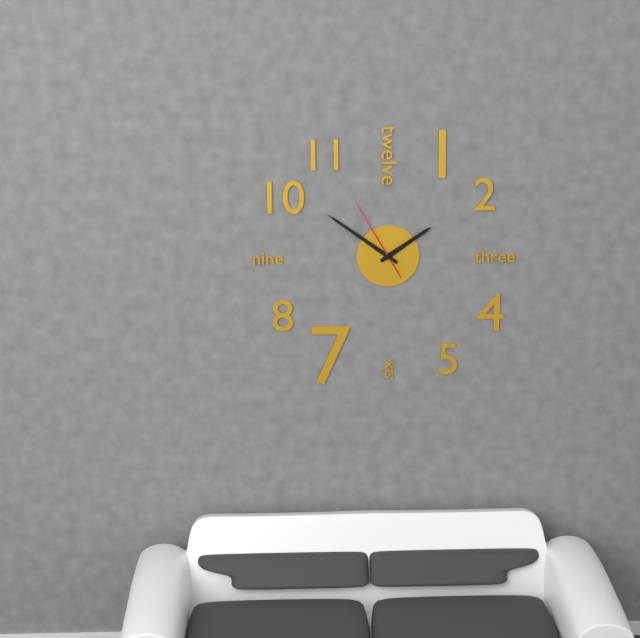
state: 1:51:55
